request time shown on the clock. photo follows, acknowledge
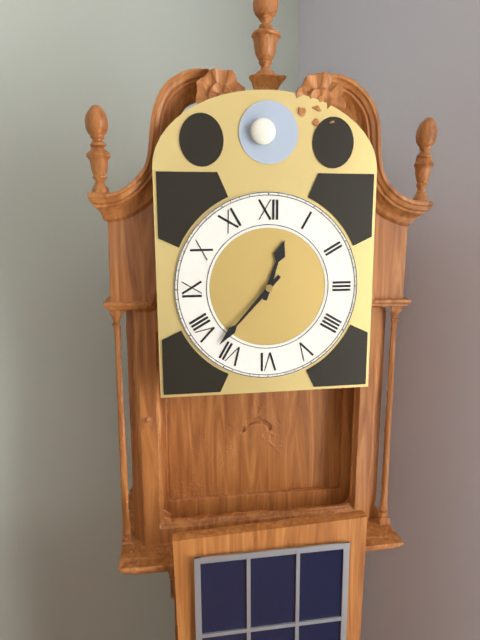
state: 12:37
